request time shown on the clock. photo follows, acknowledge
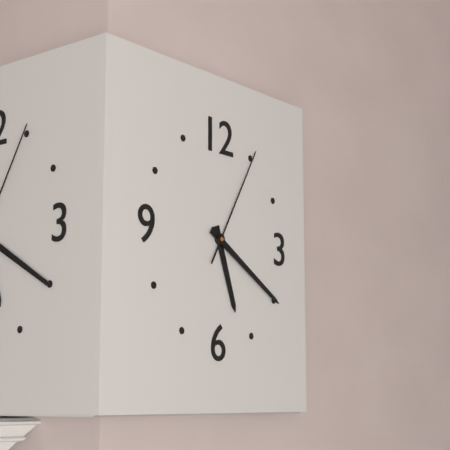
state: 5:20:05
